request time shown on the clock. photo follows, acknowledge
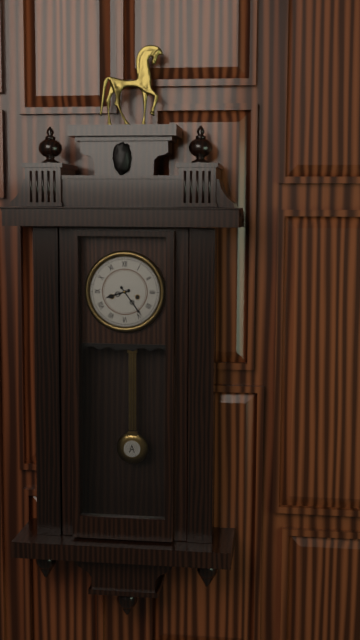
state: 8:24
